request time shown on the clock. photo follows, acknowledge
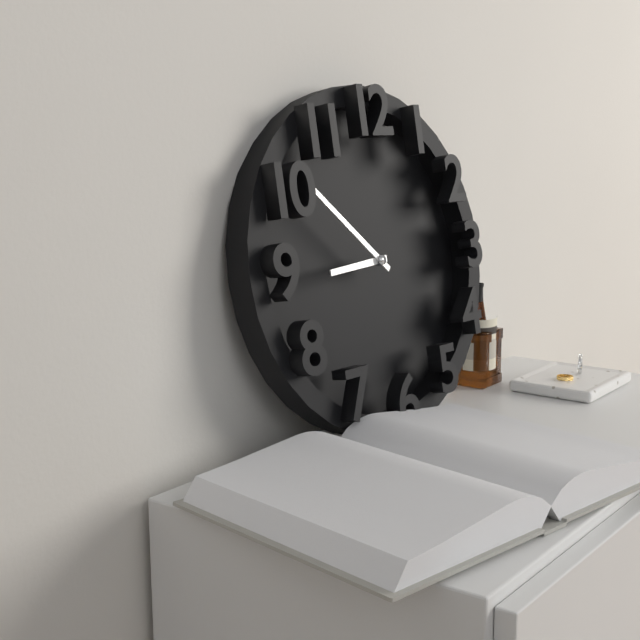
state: 8:52
